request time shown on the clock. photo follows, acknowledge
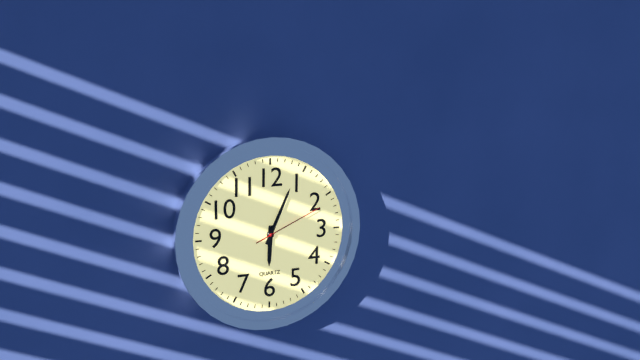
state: 6:04:11
